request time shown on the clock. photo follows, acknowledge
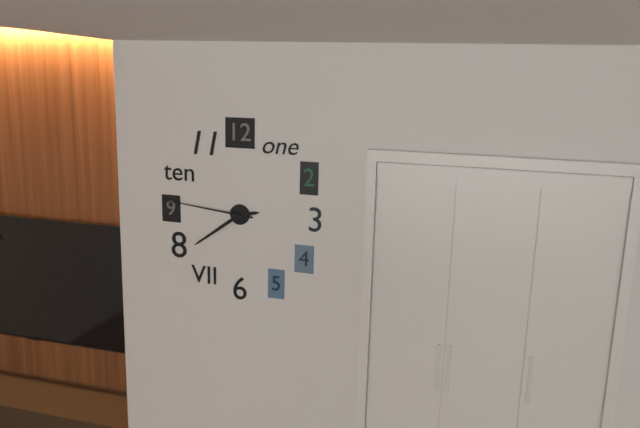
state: 2:39:46
